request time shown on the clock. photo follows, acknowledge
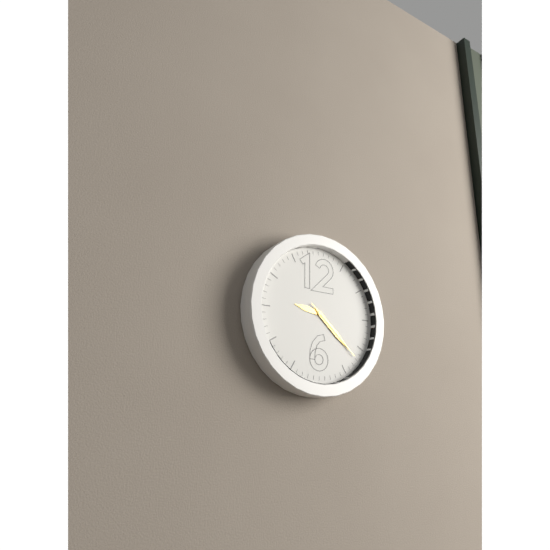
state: 9:22:22
